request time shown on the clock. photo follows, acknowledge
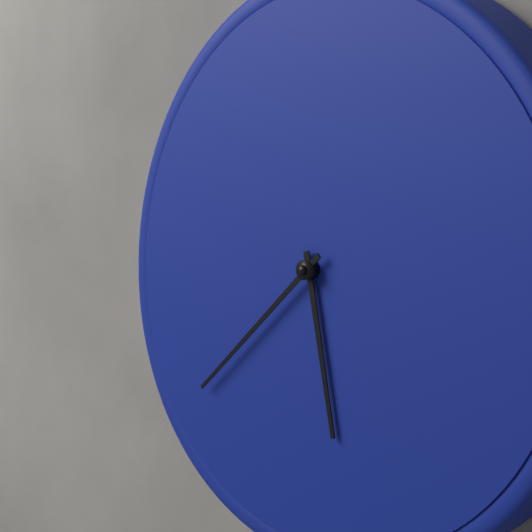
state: 5:38
